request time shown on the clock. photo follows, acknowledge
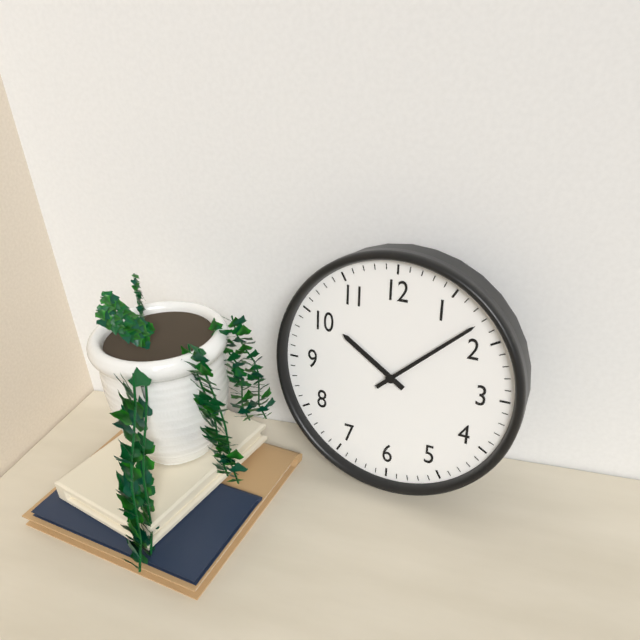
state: 10:08
